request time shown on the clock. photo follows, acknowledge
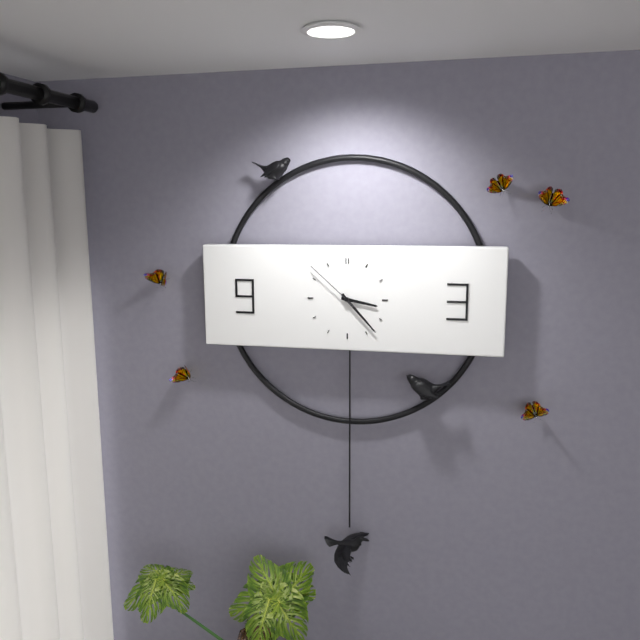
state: 3:23:52
